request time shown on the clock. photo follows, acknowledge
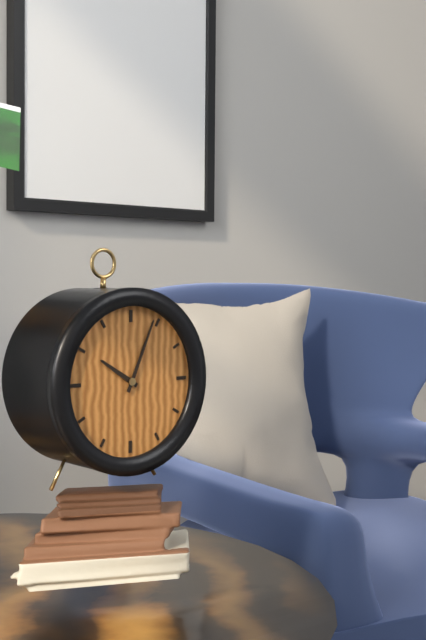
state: 10:04
